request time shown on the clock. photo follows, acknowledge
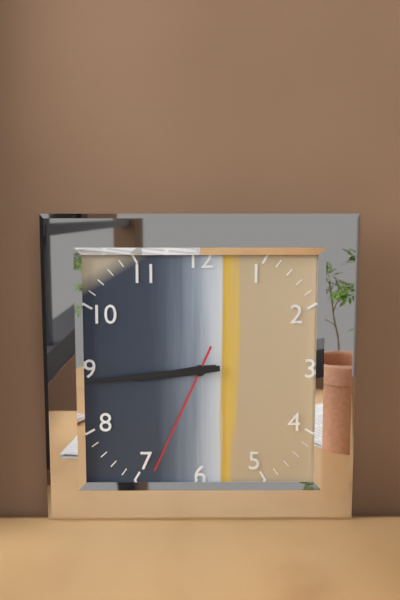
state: 8:44:34
